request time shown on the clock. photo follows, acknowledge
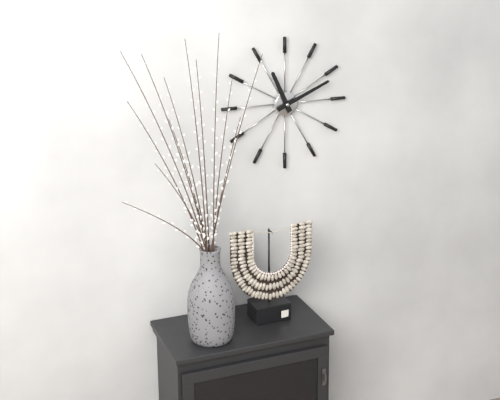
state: 11:11
